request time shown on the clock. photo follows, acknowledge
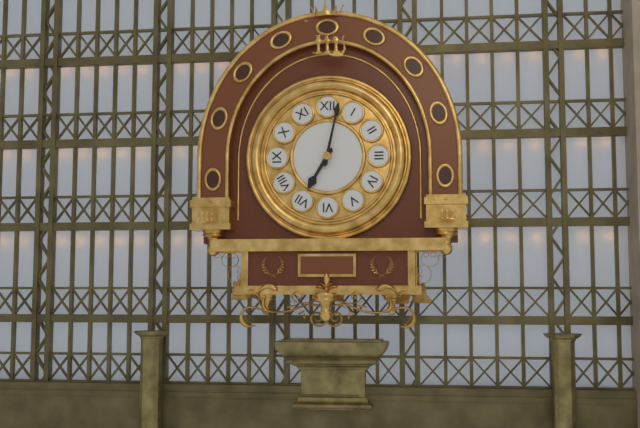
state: 7:02
